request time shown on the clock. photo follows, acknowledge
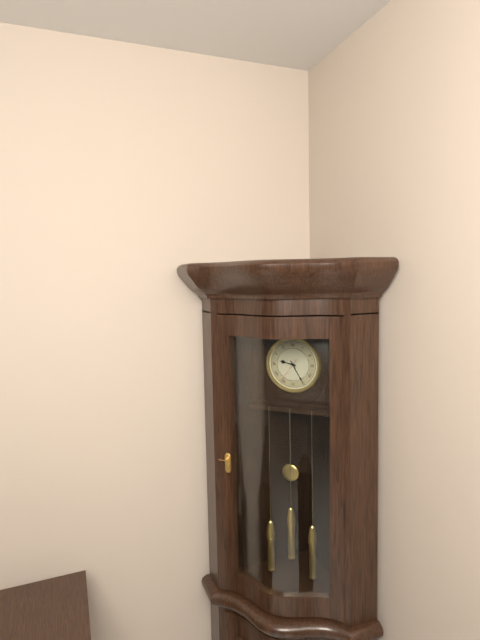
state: 9:25
